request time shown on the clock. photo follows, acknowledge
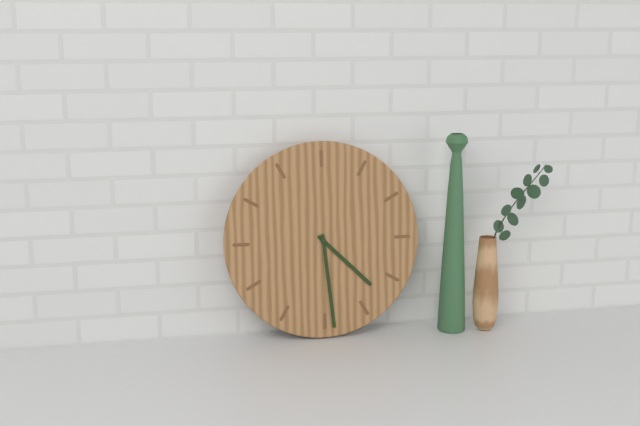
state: 4:29
